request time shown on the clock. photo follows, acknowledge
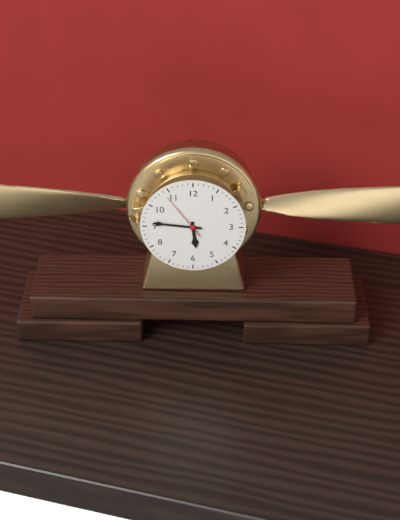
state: 5:46
